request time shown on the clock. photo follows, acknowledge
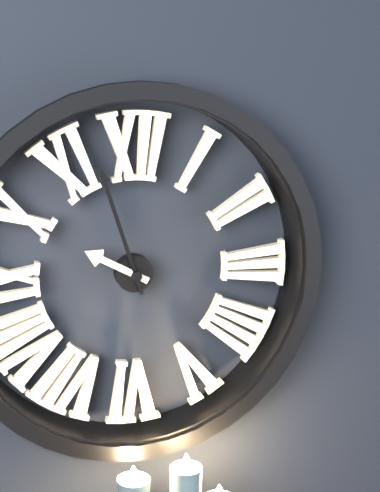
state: 9:57
